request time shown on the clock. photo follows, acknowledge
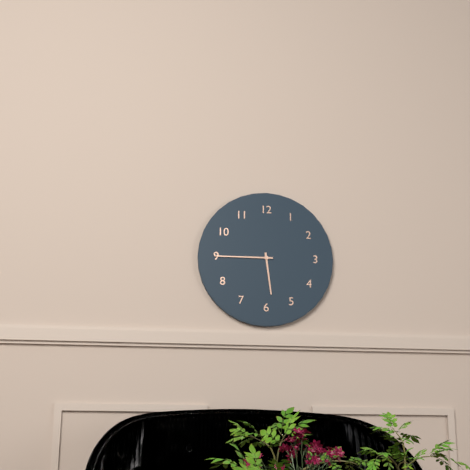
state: 5:45
